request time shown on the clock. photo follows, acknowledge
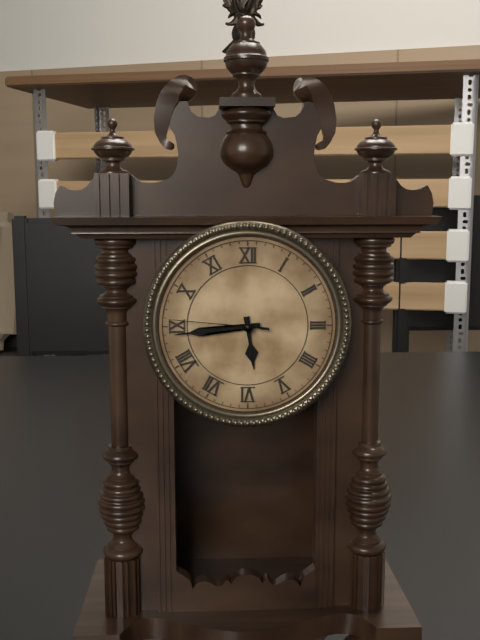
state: 5:44:46
